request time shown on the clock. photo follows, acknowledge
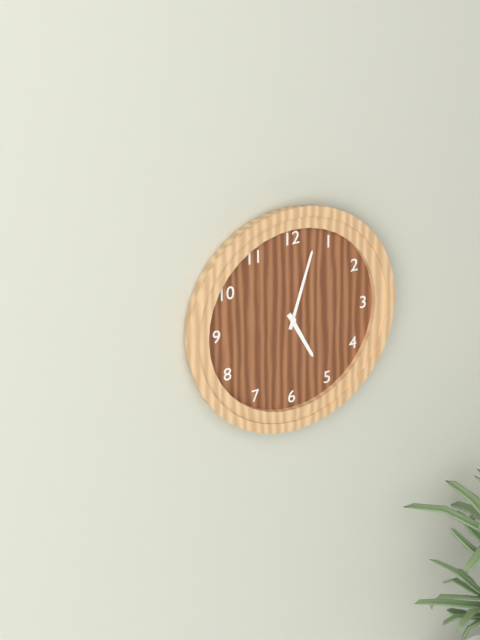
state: 5:03
